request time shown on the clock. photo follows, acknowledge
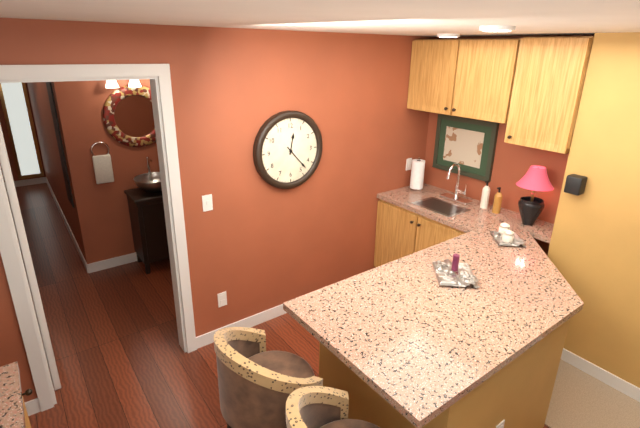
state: 12:23
